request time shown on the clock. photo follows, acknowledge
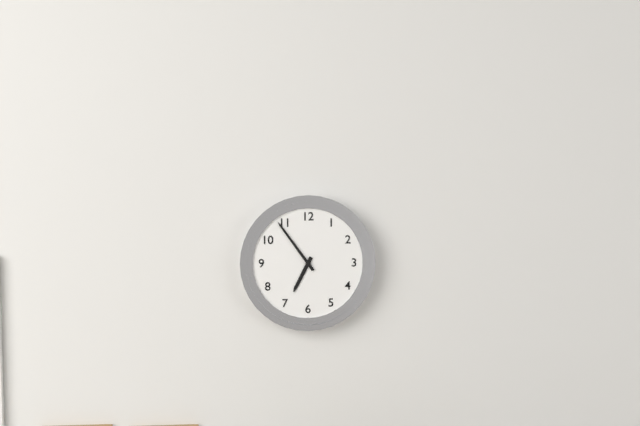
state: 6:54
